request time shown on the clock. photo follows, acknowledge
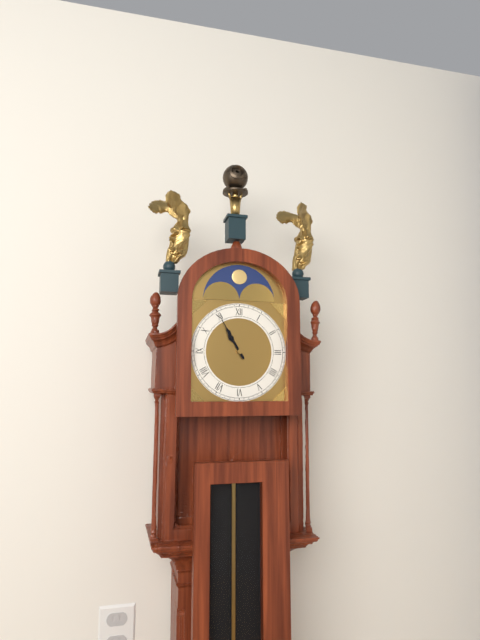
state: 10:55
